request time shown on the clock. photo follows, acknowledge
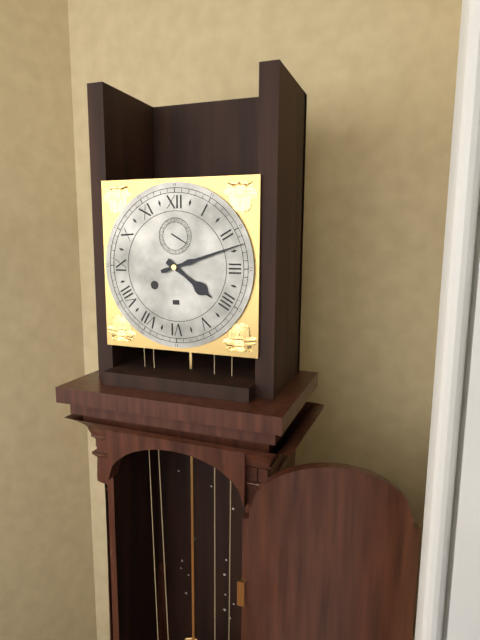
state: 4:12
